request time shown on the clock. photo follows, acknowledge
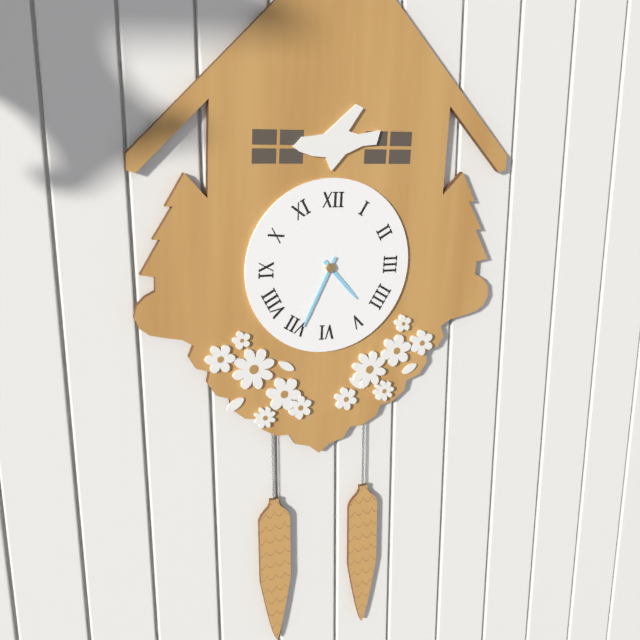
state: 4:34
